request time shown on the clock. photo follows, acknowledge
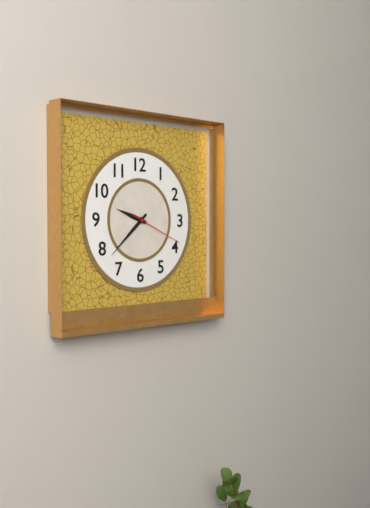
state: 9:38:19
